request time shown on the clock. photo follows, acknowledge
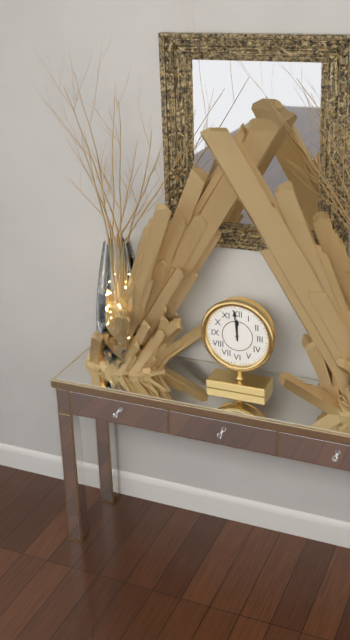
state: 11:59
